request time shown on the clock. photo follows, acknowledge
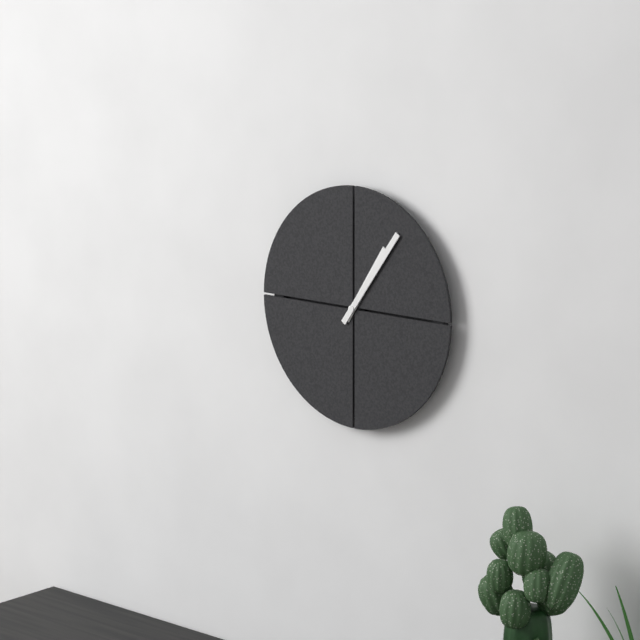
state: 1:06
